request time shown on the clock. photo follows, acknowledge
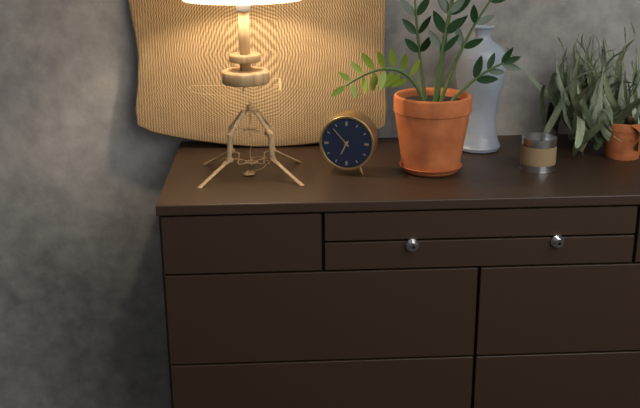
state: 6:53
